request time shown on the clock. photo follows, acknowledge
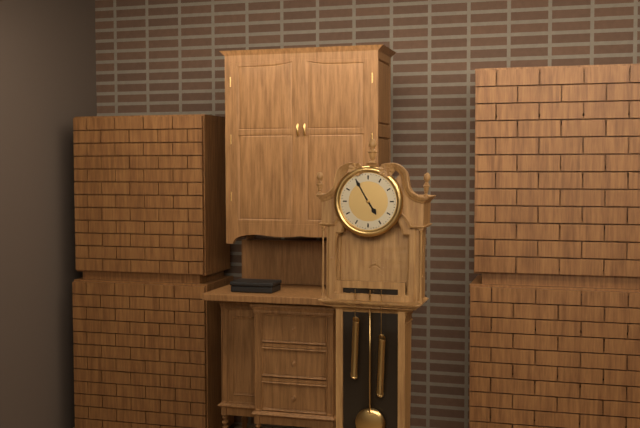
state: 4:55
